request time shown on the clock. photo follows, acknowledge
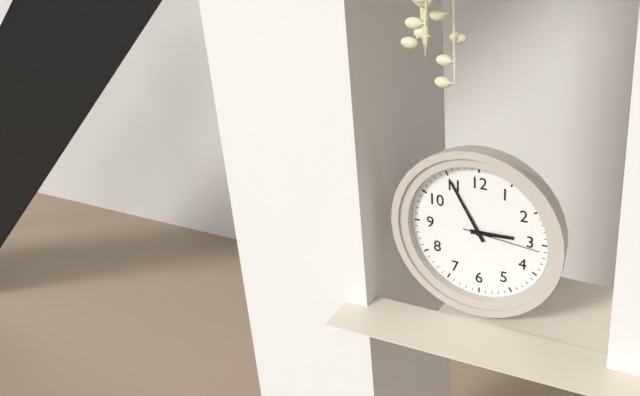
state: 2:55:16
